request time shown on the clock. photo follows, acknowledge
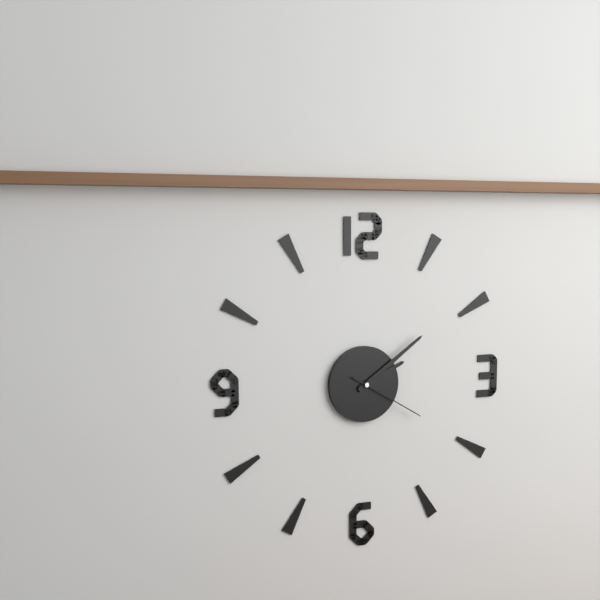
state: 2:09:20
